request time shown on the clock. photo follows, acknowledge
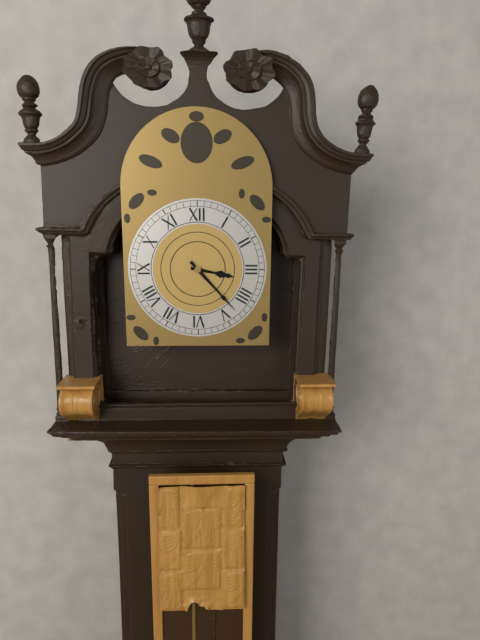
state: 3:23
